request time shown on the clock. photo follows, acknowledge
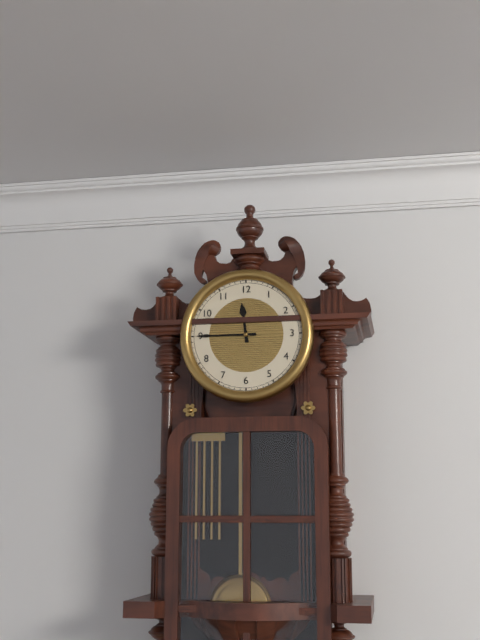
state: 11:45
